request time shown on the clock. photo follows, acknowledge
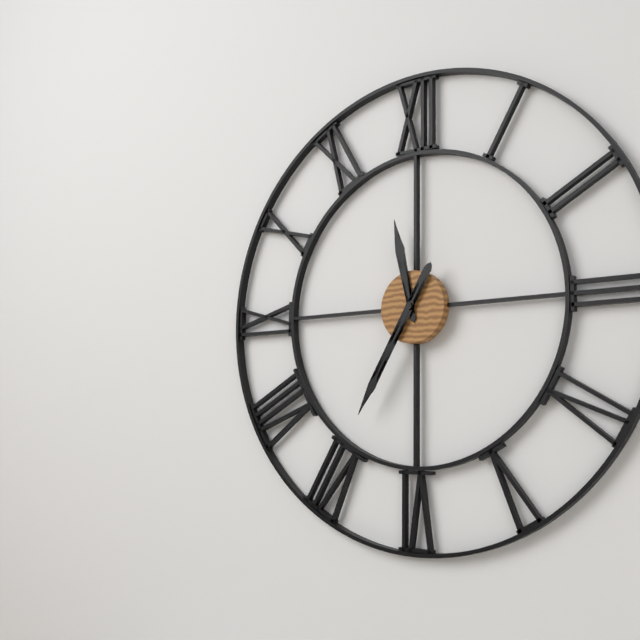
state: 11:35
